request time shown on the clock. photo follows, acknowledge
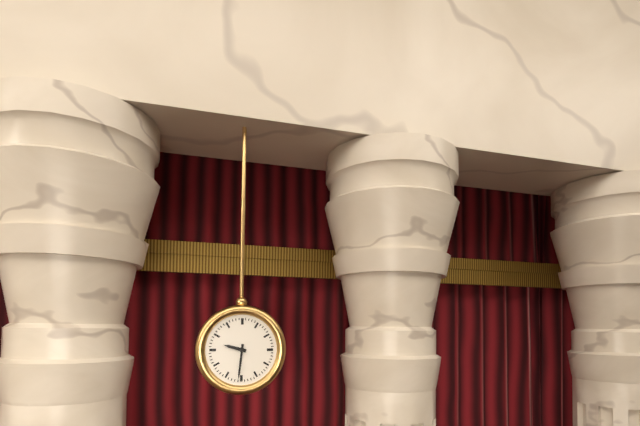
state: 9:31
